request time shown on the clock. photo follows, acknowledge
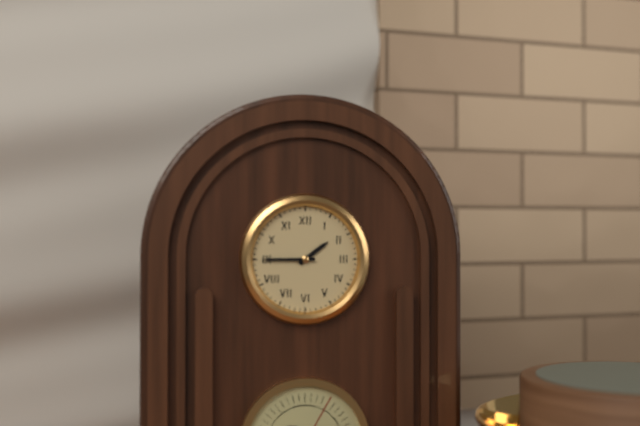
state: 1:45
